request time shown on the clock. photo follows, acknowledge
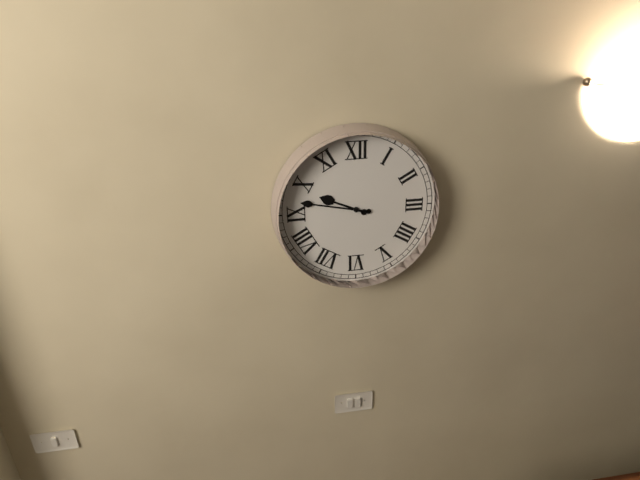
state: 9:47
